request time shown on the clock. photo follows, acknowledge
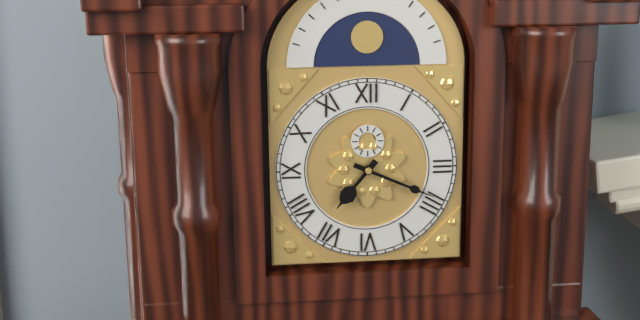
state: 7:19
